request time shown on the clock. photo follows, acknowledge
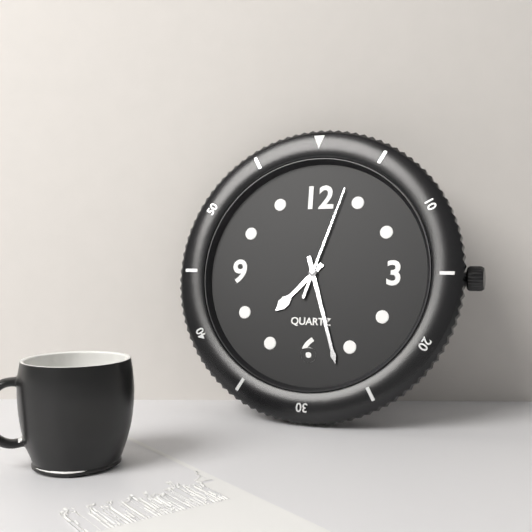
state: 7:27:03
